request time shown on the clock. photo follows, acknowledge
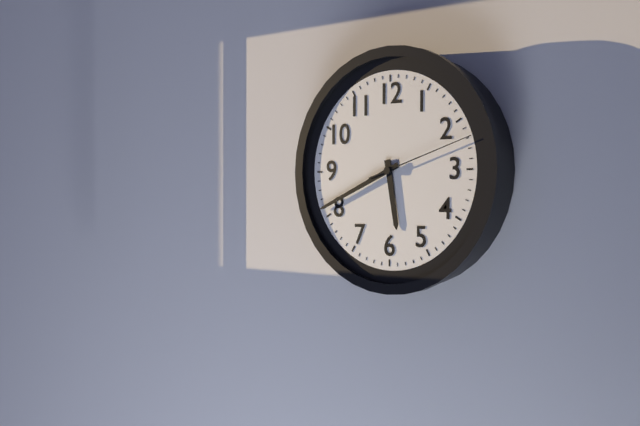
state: 5:41:12
